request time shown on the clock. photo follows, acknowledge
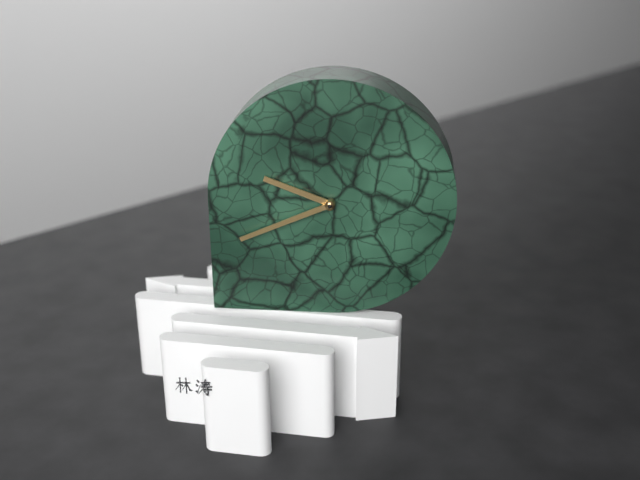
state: 9:41
